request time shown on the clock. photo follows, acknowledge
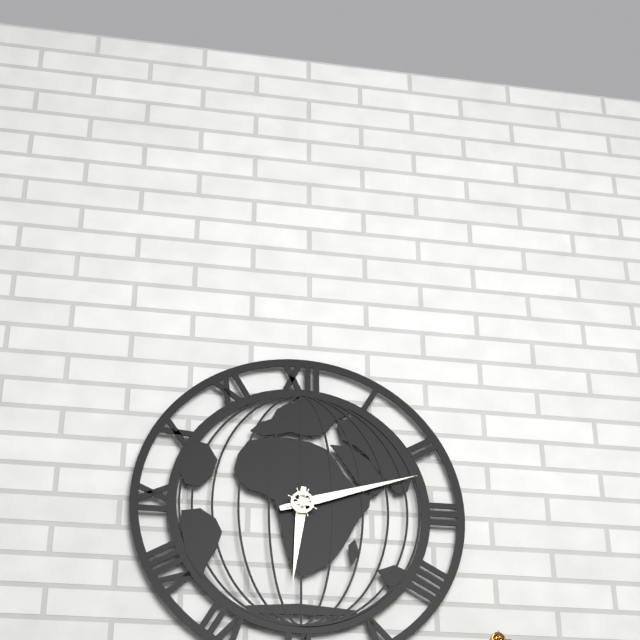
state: 6:12
